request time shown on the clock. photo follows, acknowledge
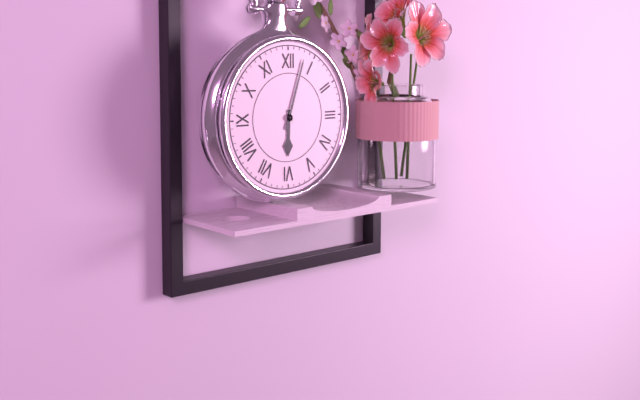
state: 6:03
